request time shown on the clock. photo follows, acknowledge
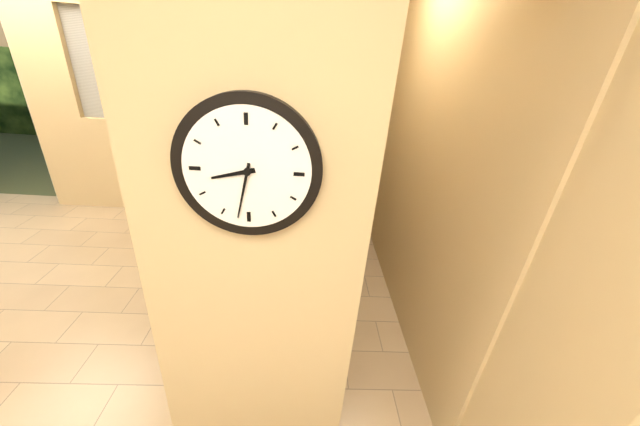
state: 8:32
